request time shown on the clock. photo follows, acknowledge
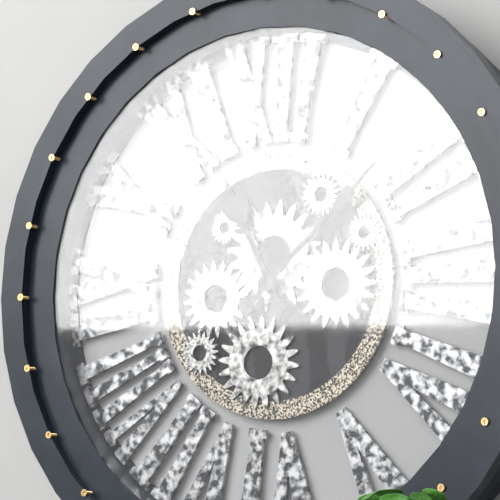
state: 11:08
